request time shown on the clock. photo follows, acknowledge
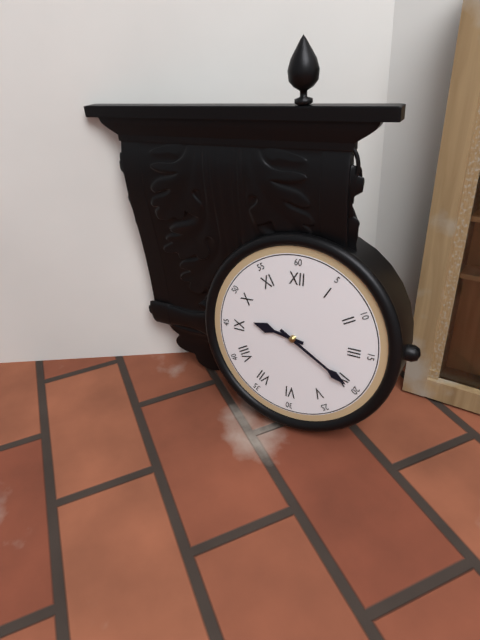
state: 9:20
